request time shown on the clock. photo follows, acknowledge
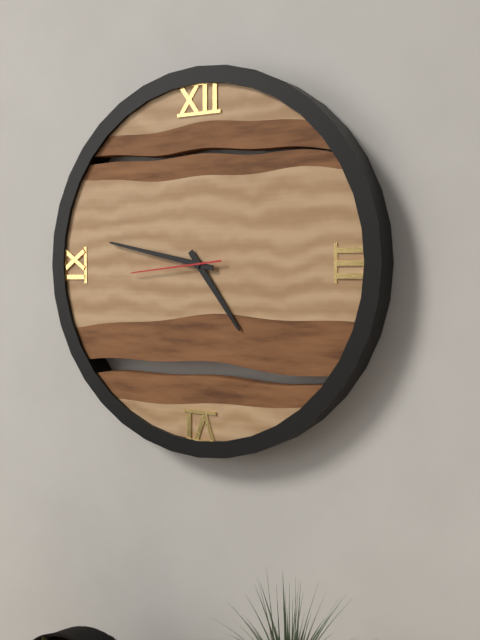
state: 4:47:44
